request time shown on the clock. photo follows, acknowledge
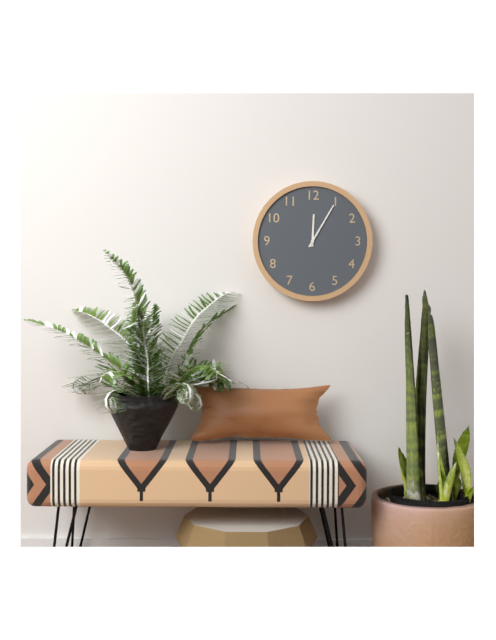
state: 12:05
